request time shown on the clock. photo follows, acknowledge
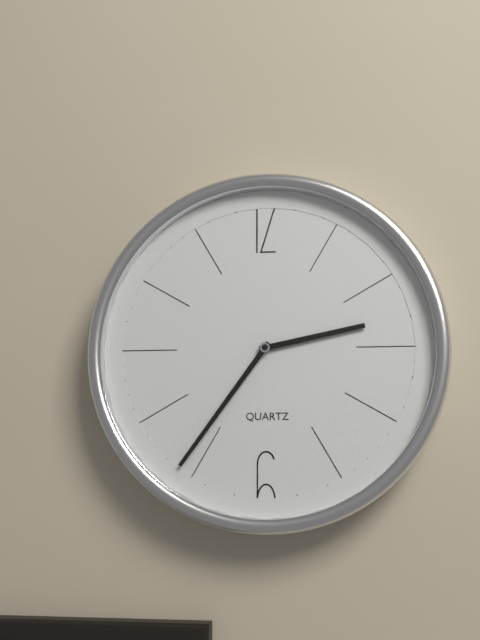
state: 2:36
